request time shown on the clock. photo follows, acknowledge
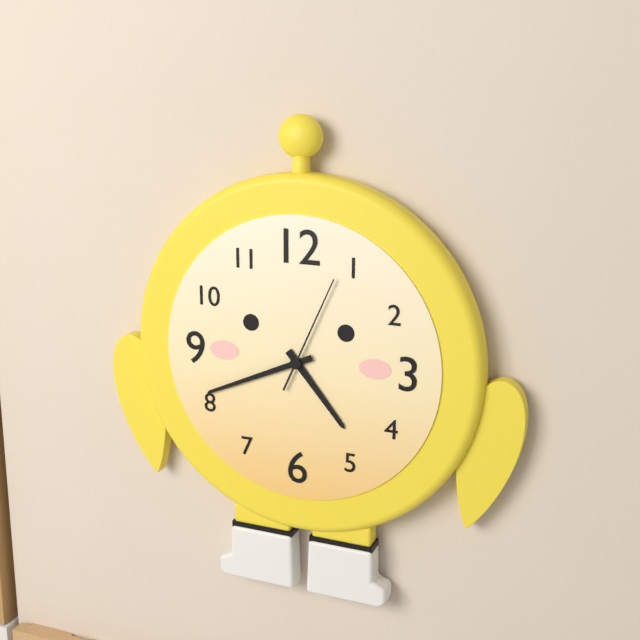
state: 4:41:04
